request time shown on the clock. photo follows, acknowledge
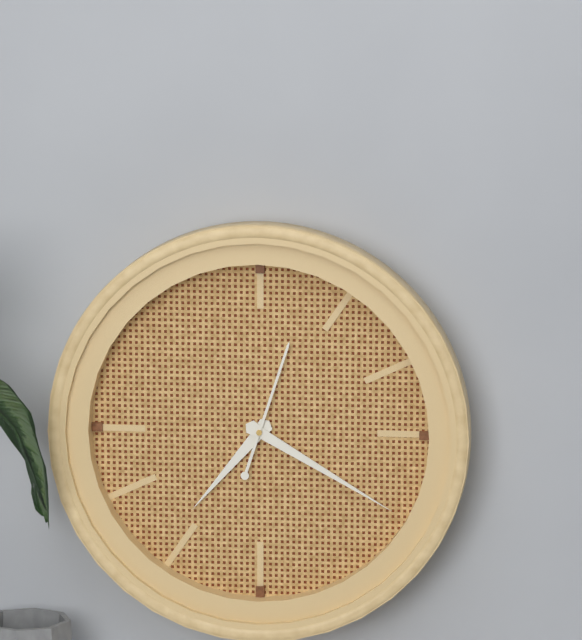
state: 7:20:03
